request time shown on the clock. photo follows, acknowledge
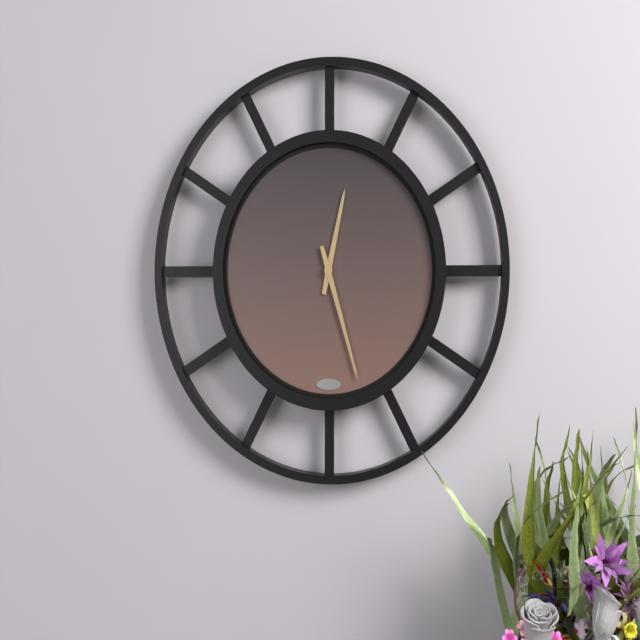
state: 12:27
